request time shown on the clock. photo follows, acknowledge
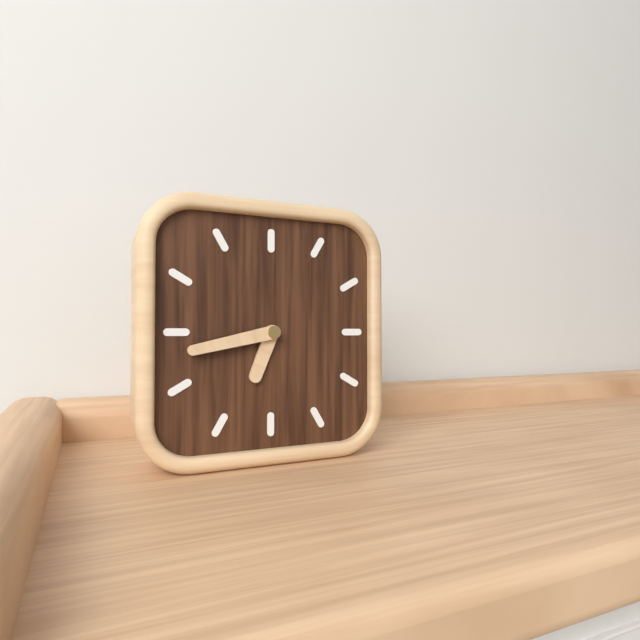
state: 6:43
